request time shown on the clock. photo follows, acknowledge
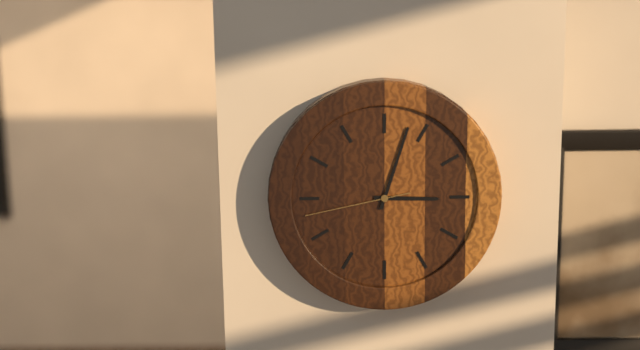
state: 3:03:43
